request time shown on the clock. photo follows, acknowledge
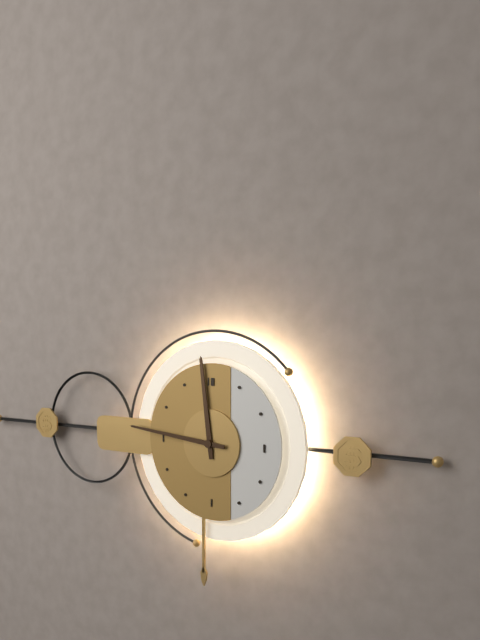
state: 11:46
